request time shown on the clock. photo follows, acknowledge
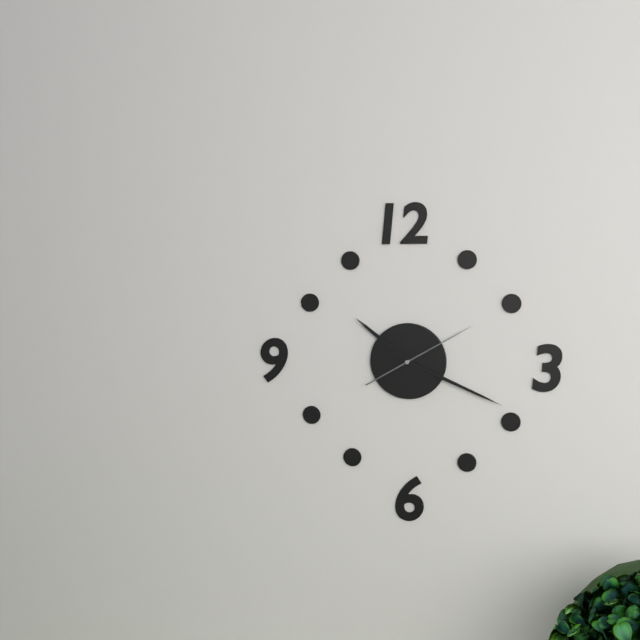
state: 10:19:10
